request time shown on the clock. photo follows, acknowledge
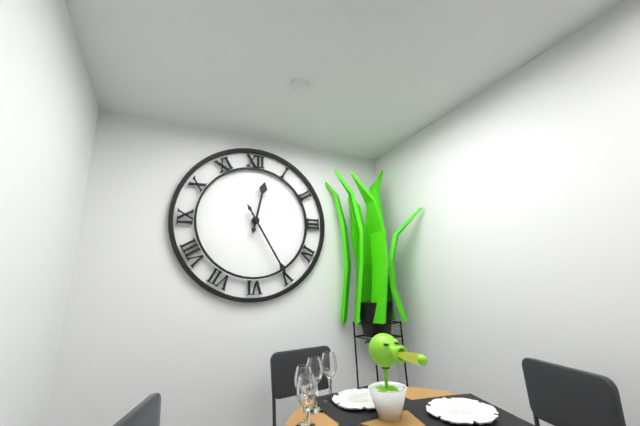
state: 12:25
